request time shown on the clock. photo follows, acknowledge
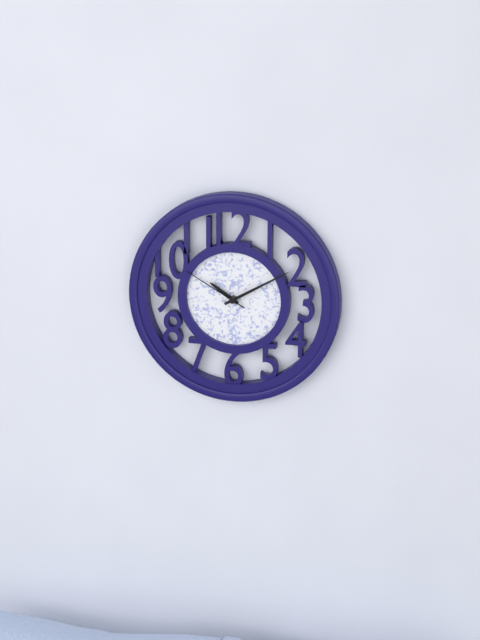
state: 10:10:50
